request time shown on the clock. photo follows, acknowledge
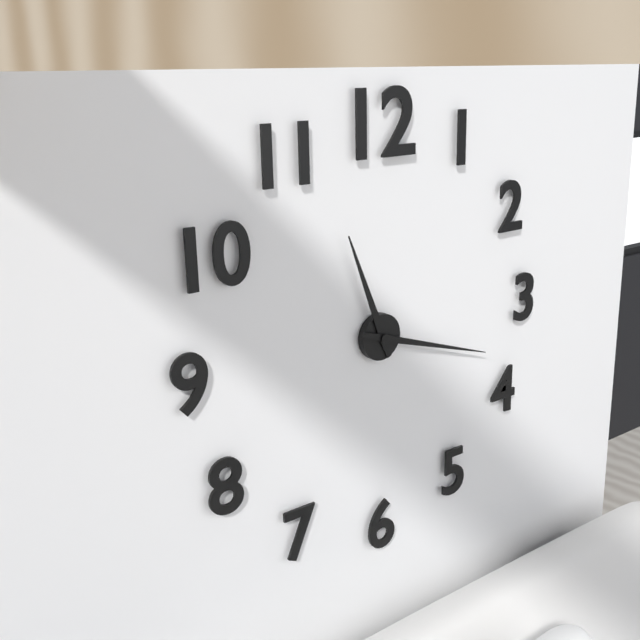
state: 11:18
